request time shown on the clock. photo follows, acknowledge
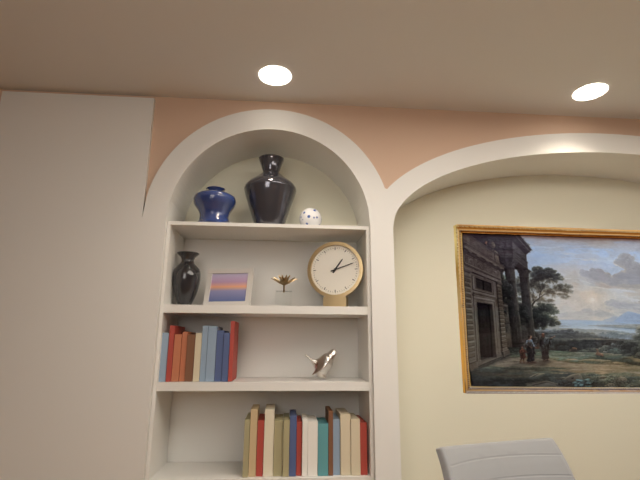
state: 1:12
